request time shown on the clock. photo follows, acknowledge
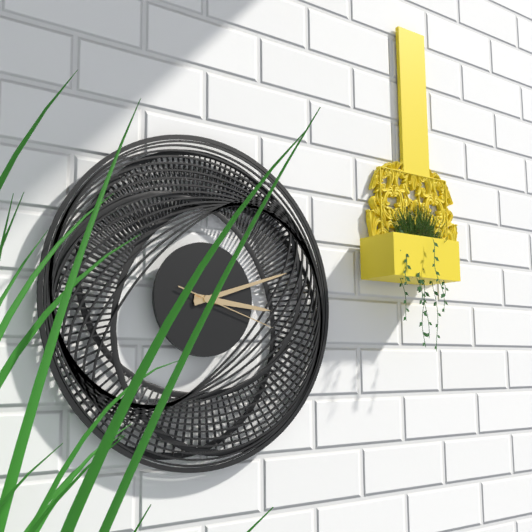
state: 3:12:18
